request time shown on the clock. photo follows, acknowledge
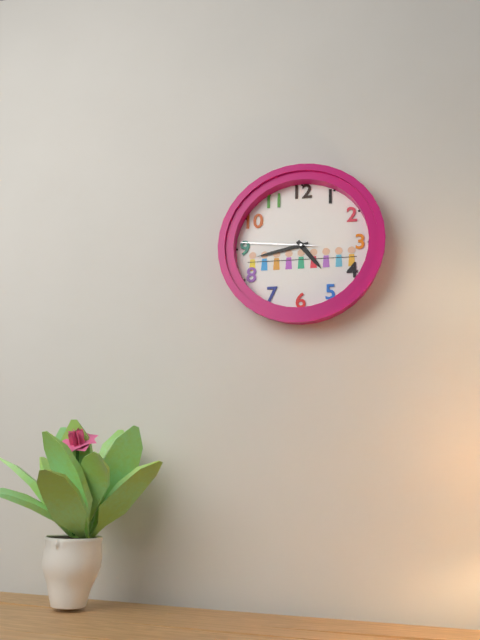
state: 4:43:46
